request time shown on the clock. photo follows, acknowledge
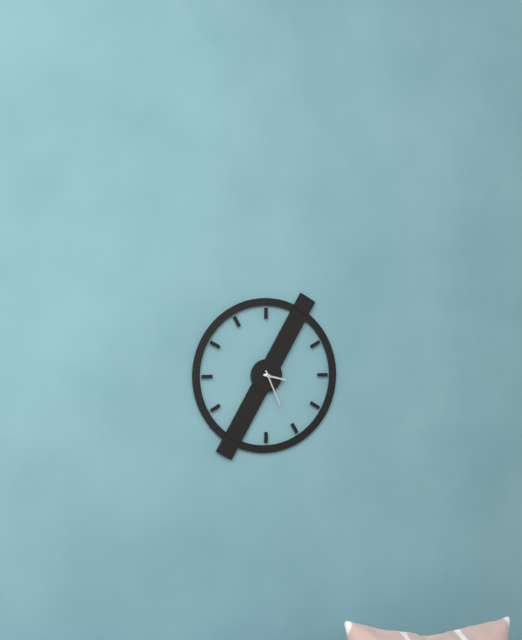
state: 3:26
